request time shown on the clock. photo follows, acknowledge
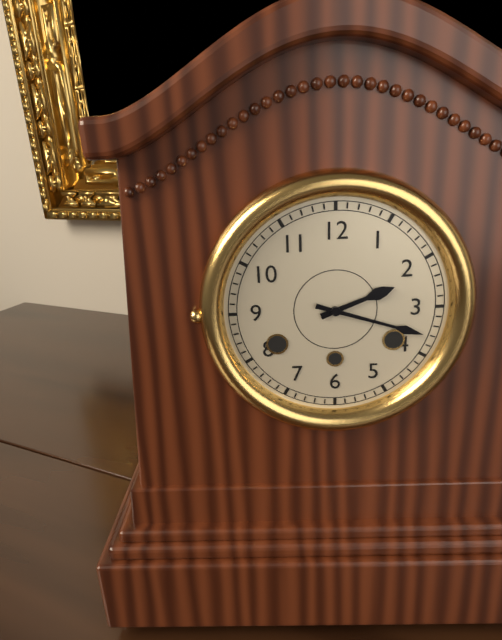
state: 2:18
